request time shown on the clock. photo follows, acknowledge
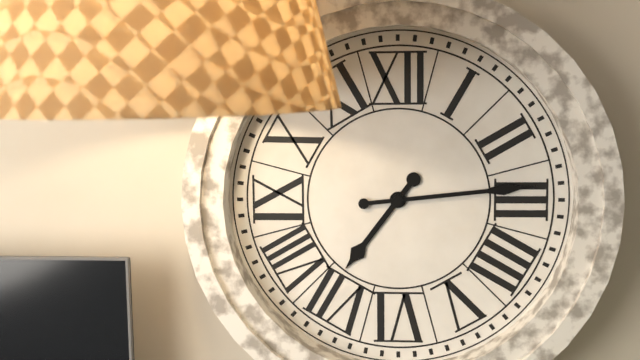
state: 7:14
